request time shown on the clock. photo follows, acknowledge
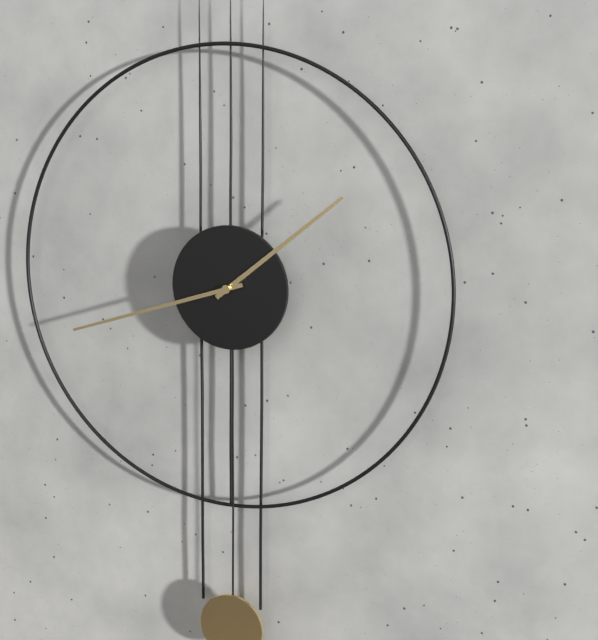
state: 1:42
